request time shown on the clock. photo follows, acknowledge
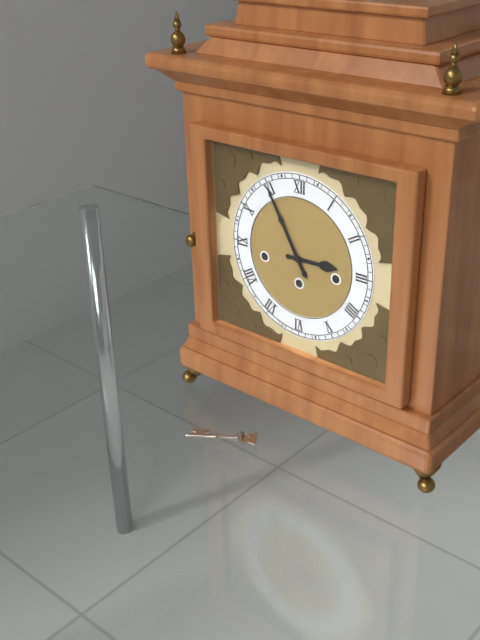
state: 2:55
